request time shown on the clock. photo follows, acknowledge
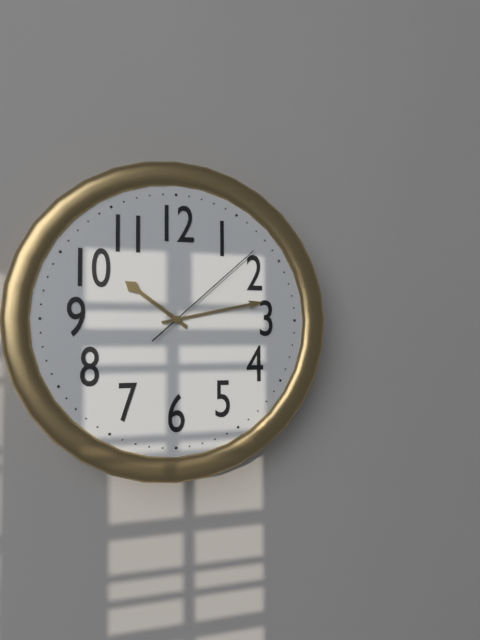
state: 10:13:08
